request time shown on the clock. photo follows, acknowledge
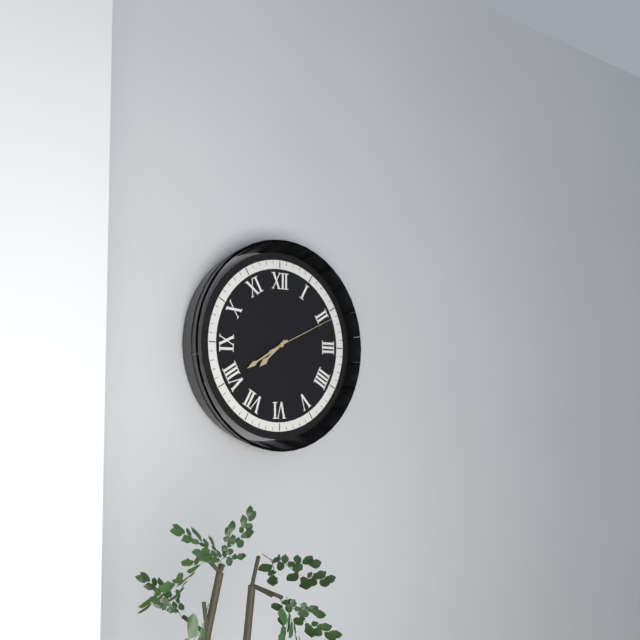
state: 7:40:11
